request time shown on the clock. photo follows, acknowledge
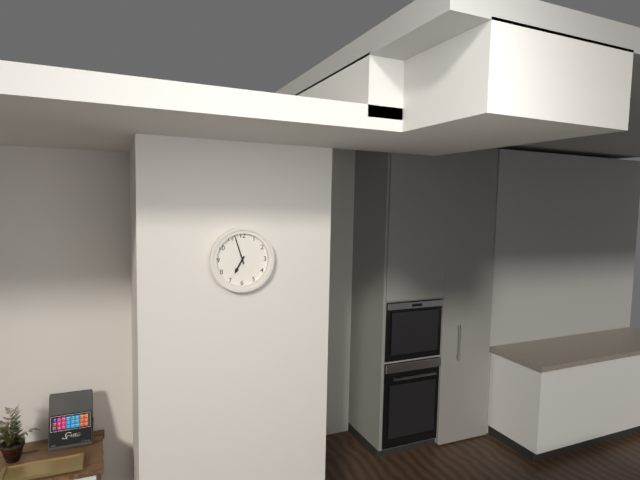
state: 6:57
